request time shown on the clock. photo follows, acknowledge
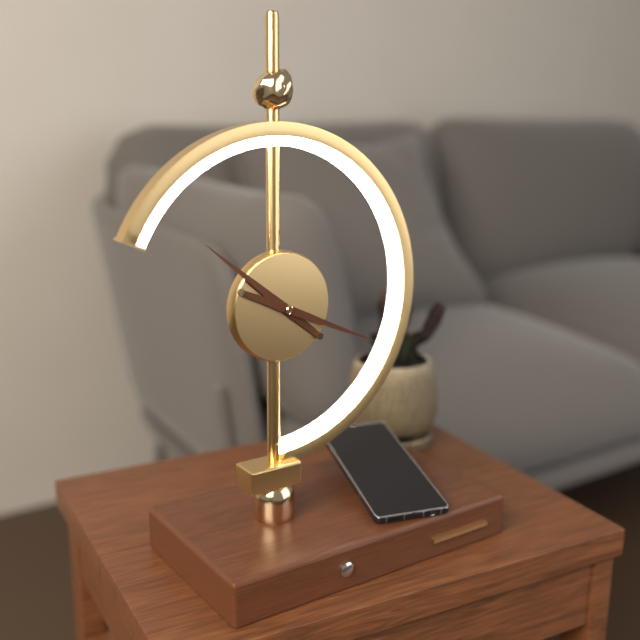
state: 10:19
